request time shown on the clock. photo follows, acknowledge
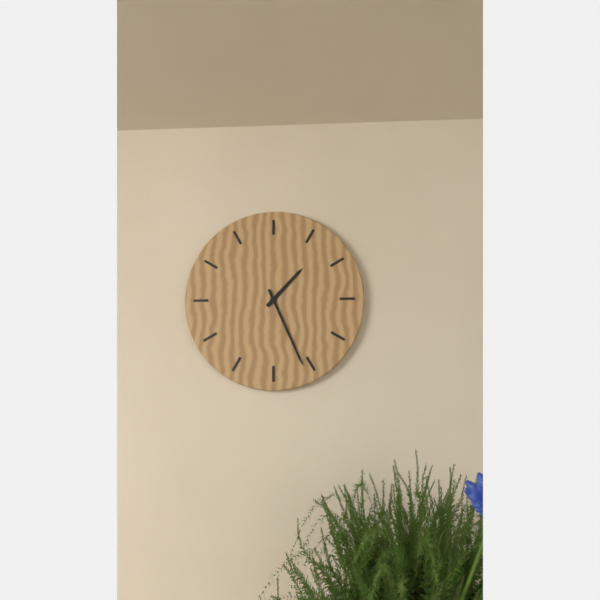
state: 1:26
